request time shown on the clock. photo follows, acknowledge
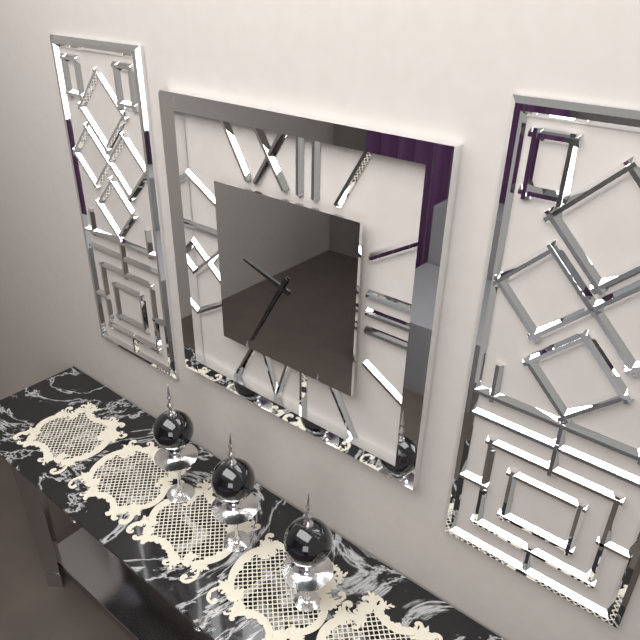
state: 9:35
